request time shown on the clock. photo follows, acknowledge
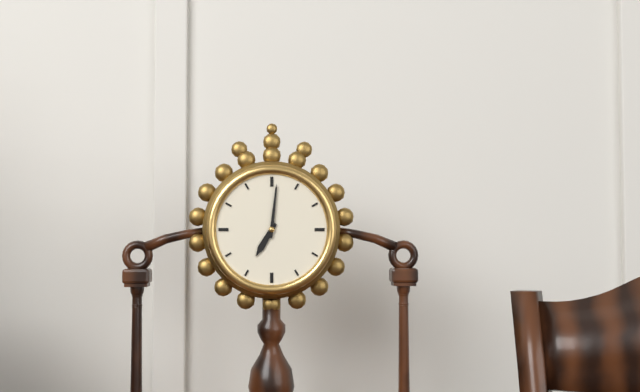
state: 7:01
